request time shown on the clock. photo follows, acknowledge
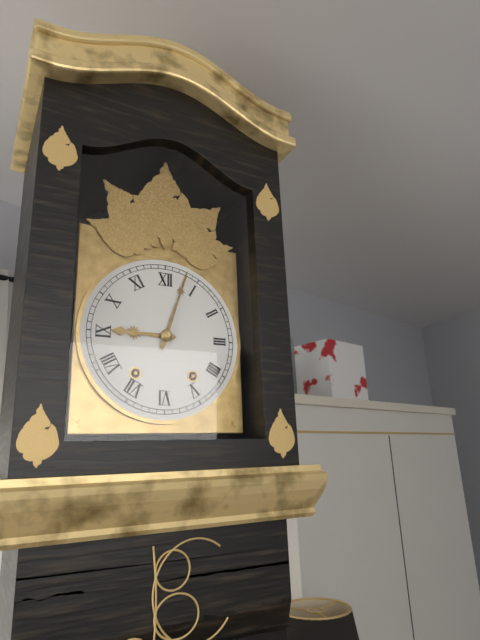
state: 9:03
